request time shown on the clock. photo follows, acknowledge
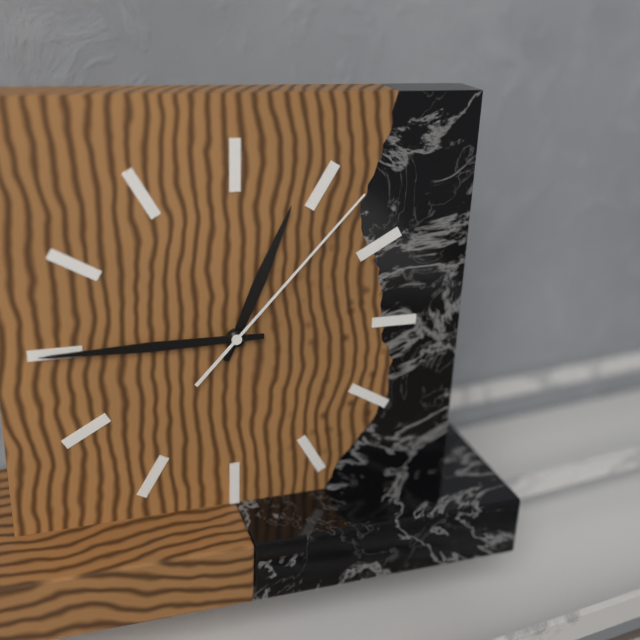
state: 12:45:07
